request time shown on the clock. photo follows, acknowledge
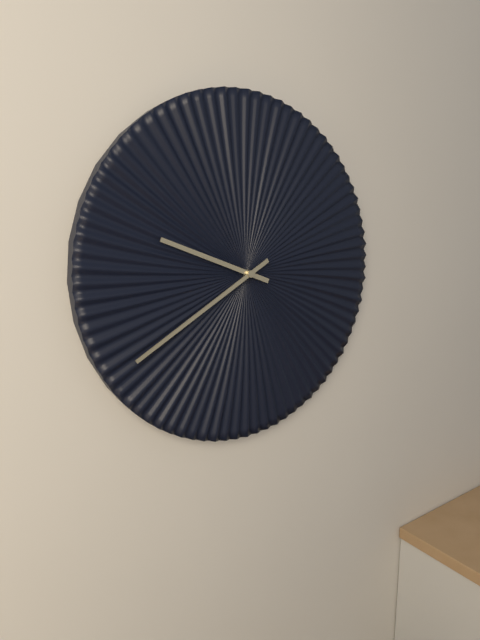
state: 9:40
